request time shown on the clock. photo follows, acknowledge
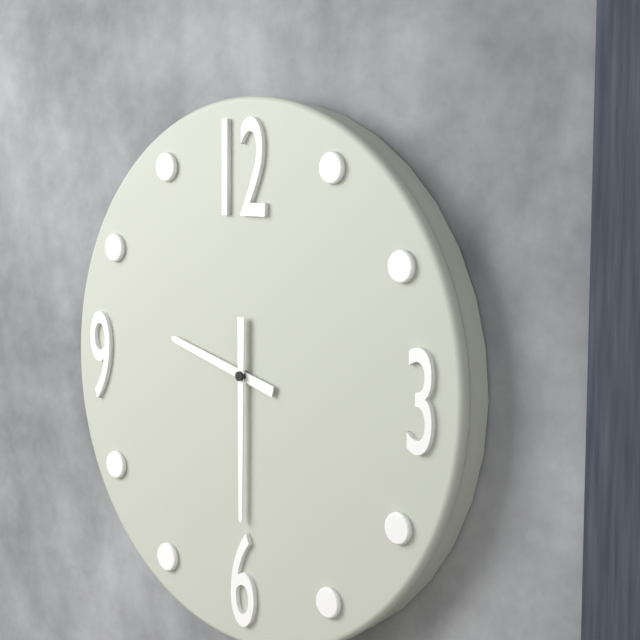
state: 9:30
